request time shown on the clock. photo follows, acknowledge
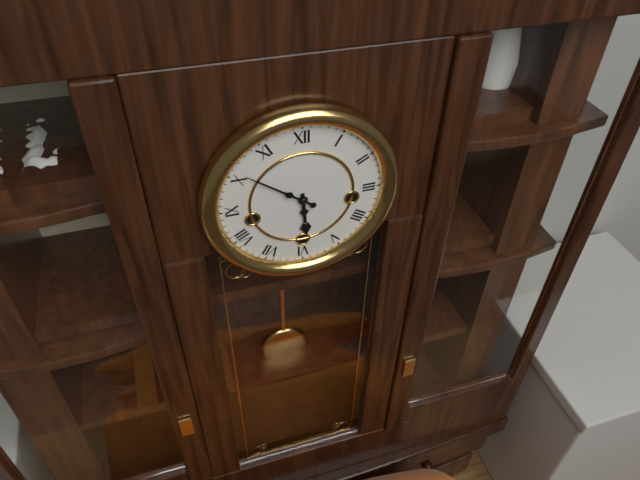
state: 5:51
